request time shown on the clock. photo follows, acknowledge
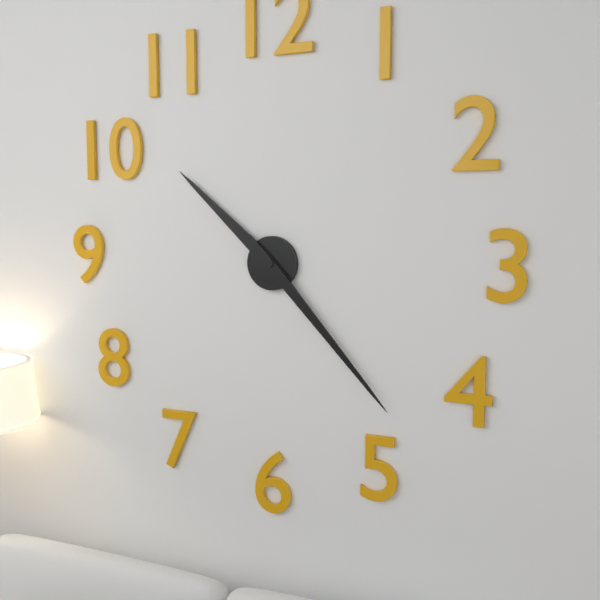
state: 10:23
